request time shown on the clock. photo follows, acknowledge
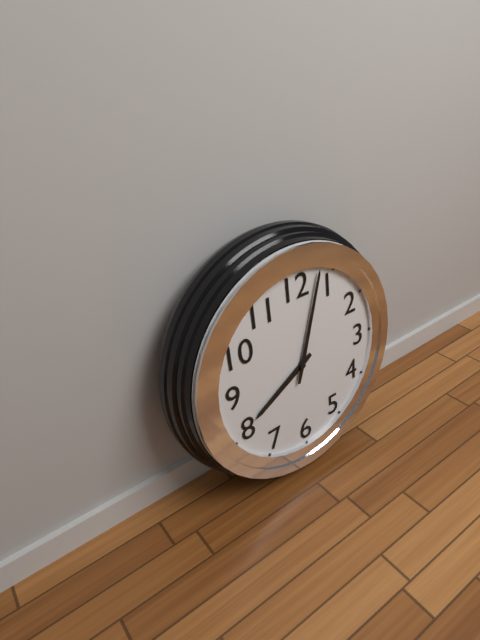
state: 8:03
